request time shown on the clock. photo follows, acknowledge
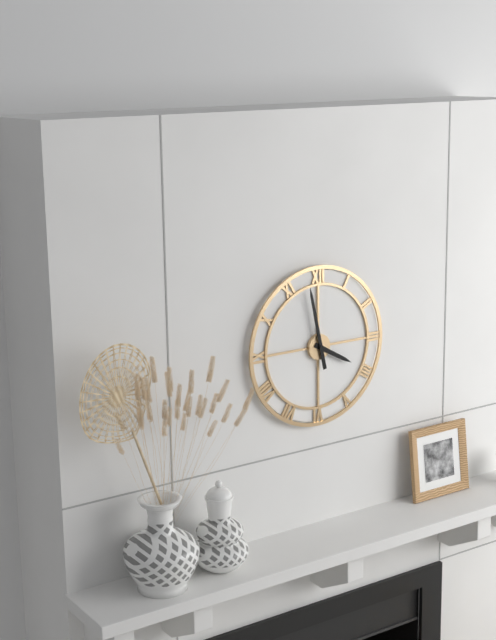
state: 3:58
